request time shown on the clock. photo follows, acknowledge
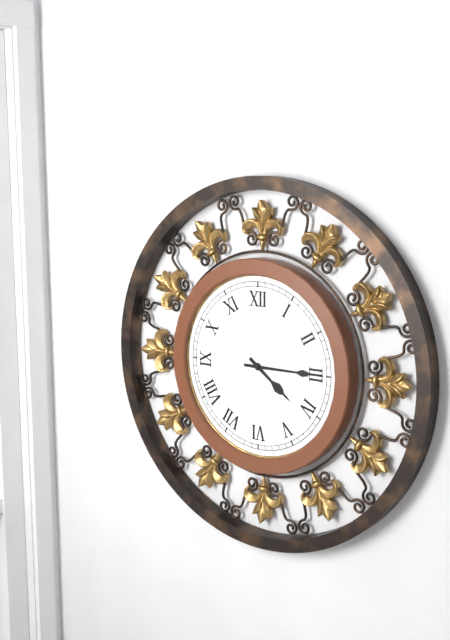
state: 4:15
